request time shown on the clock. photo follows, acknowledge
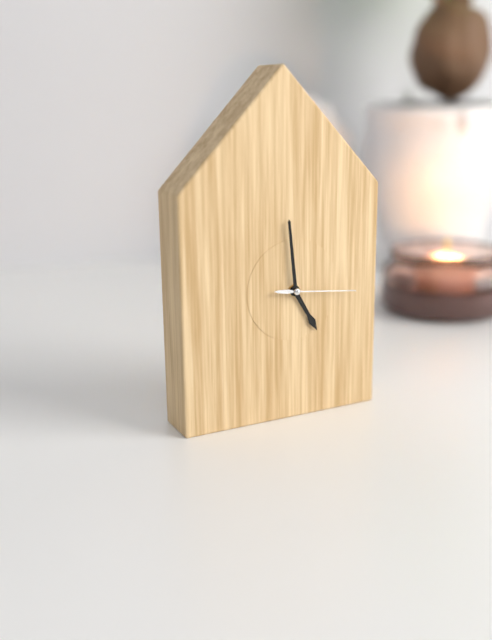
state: 4:59:16
